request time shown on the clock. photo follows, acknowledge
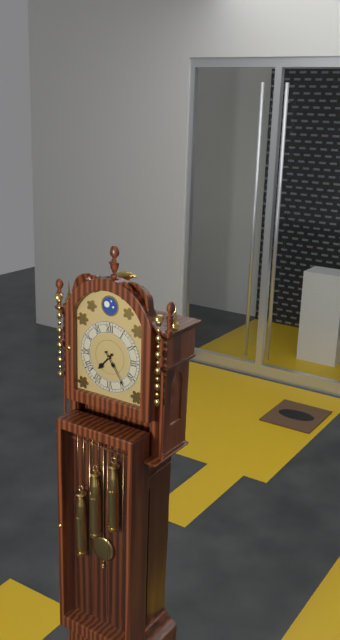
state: 7:24
